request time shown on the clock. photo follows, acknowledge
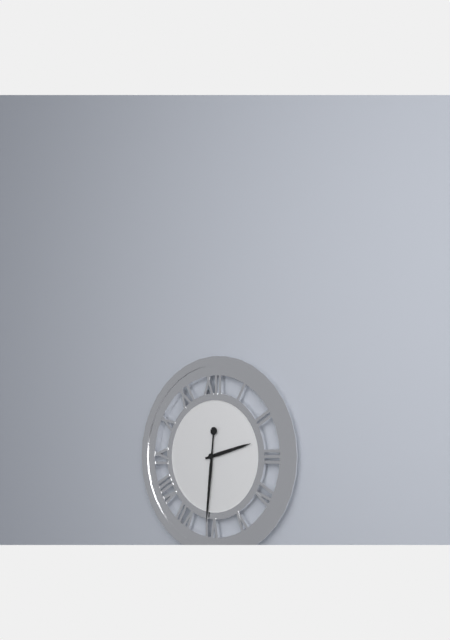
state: 2:31
